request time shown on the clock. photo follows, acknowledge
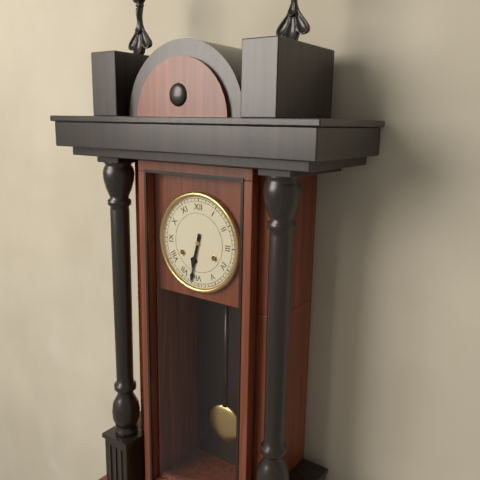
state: 6:32
